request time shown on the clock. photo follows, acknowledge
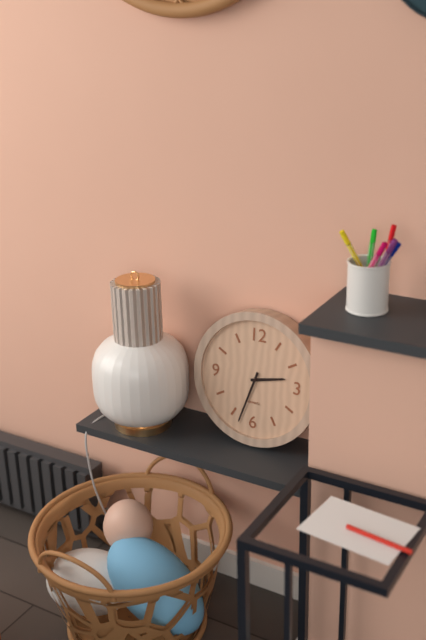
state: 2:33
